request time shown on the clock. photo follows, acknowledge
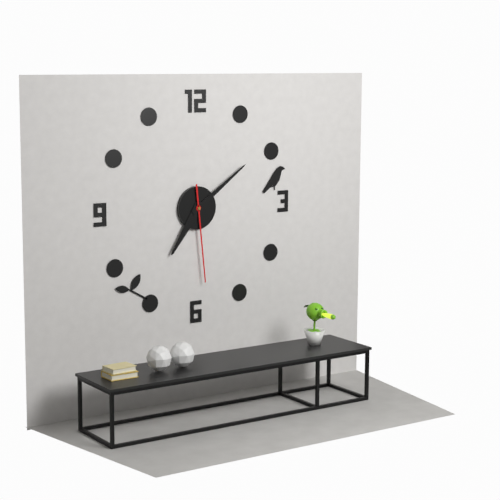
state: 7:09:29
